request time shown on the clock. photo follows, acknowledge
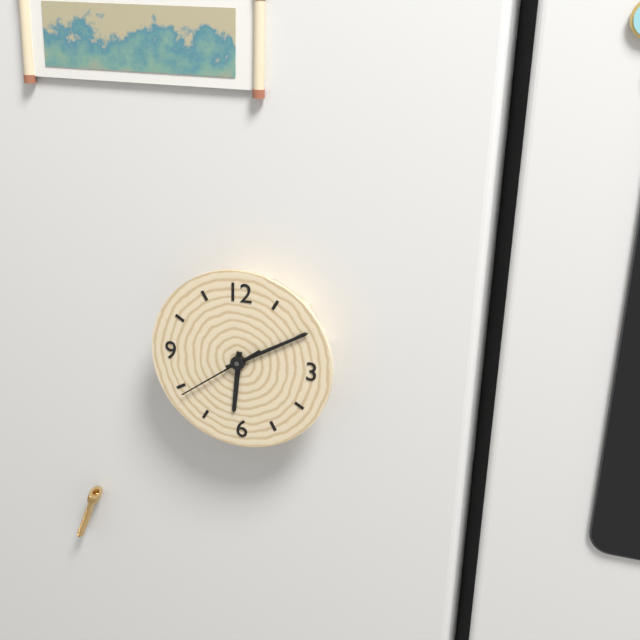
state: 6:10:39
